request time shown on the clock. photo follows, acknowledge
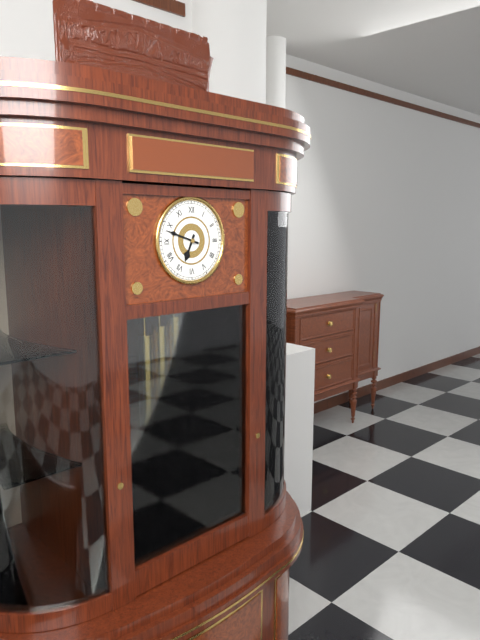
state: 6:48
